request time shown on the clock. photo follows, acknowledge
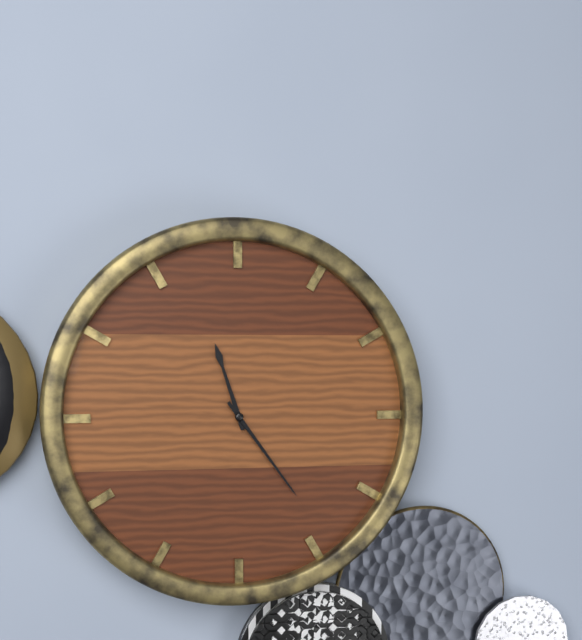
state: 11:24
